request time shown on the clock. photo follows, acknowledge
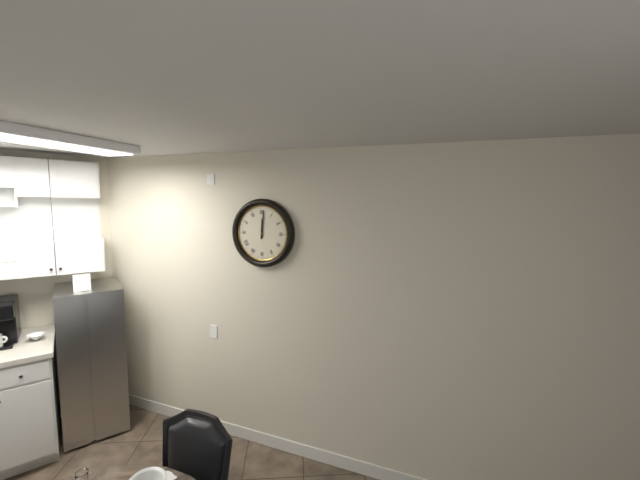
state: 12:01
